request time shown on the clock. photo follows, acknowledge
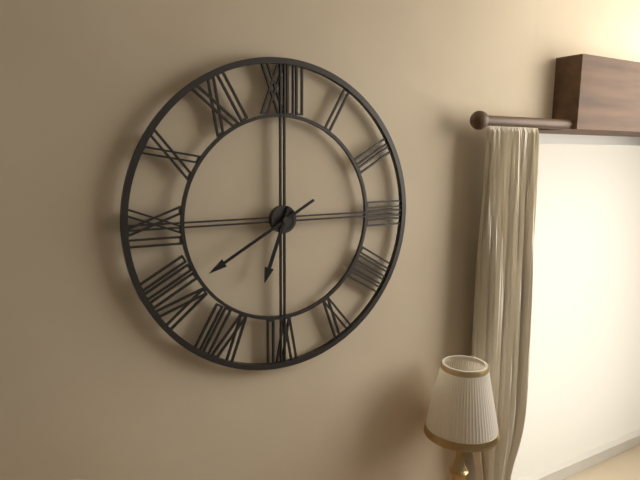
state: 6:40
